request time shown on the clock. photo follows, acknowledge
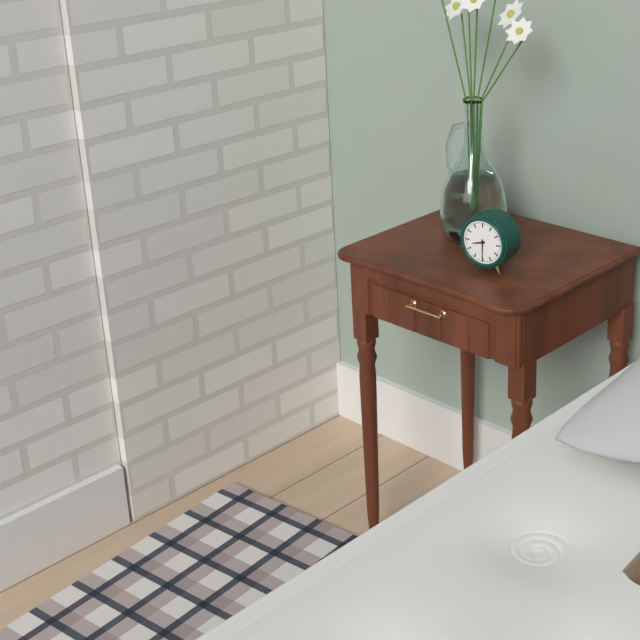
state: 8:30
